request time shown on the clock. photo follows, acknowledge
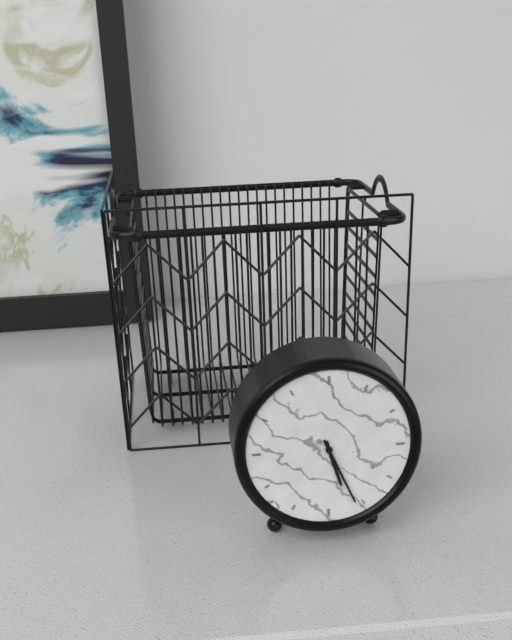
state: 5:26
